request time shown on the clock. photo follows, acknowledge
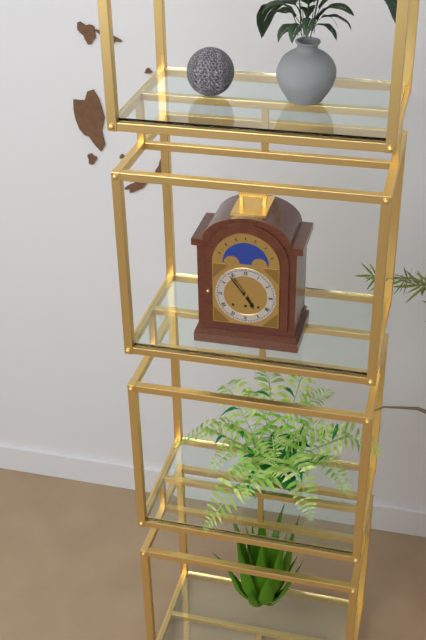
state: 4:54
